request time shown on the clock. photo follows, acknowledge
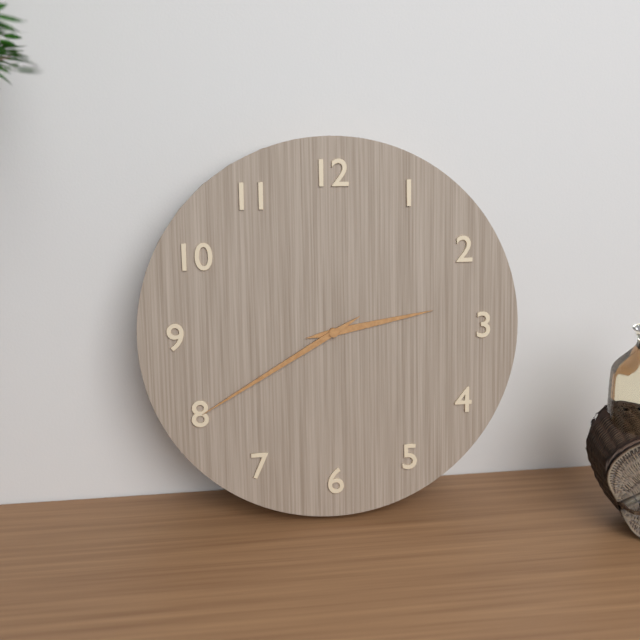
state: 2:40
